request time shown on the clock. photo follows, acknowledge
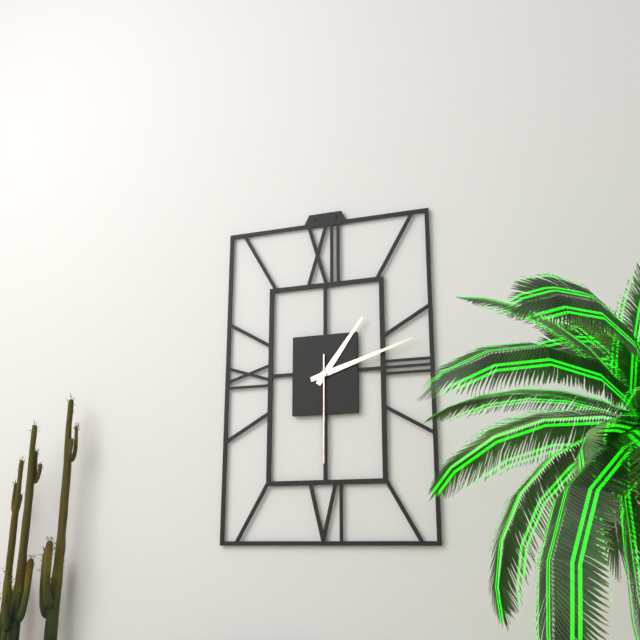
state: 1:12:30
